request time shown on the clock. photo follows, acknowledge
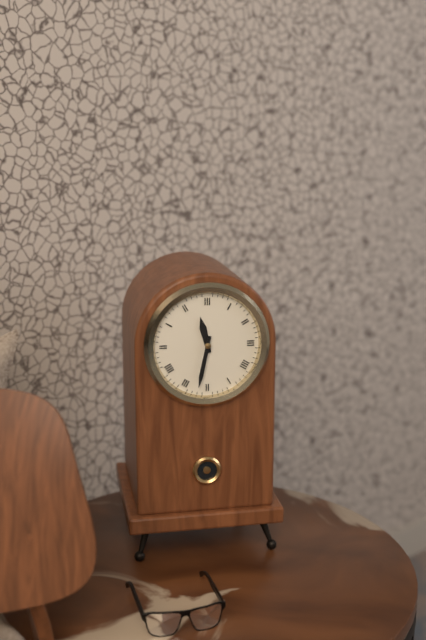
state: 11:32
